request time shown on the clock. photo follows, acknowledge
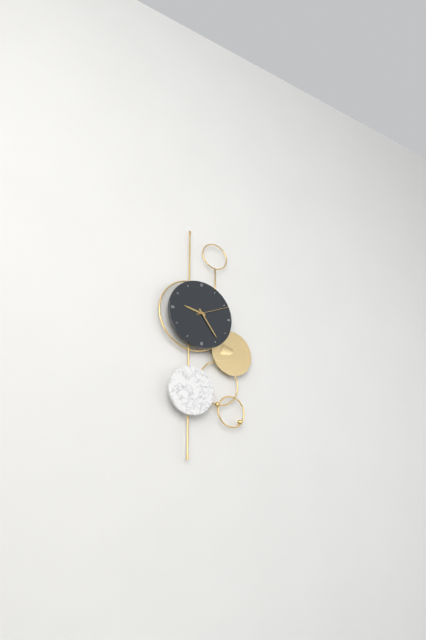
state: 9:24
